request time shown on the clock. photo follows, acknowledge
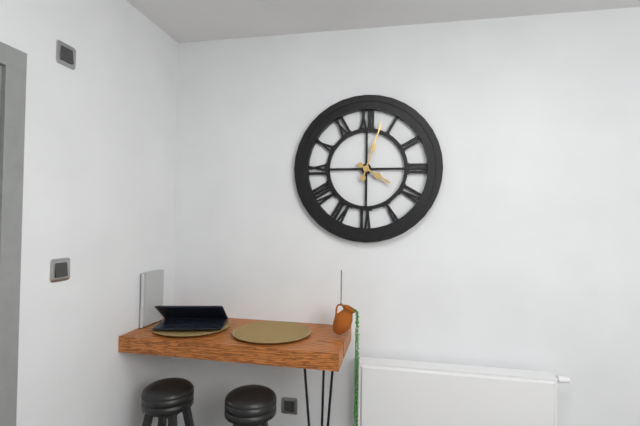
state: 4:03
